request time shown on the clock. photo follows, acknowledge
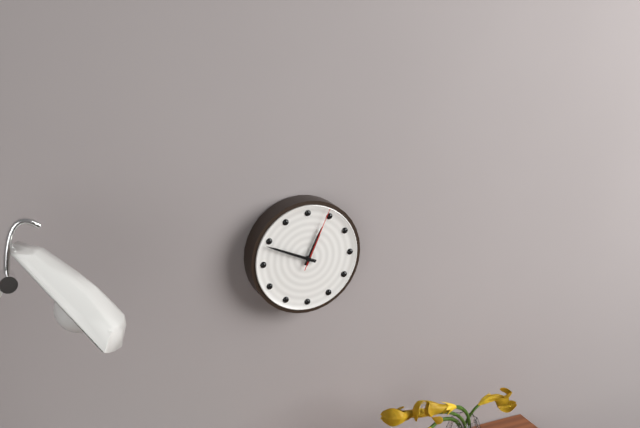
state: 12:49:04
